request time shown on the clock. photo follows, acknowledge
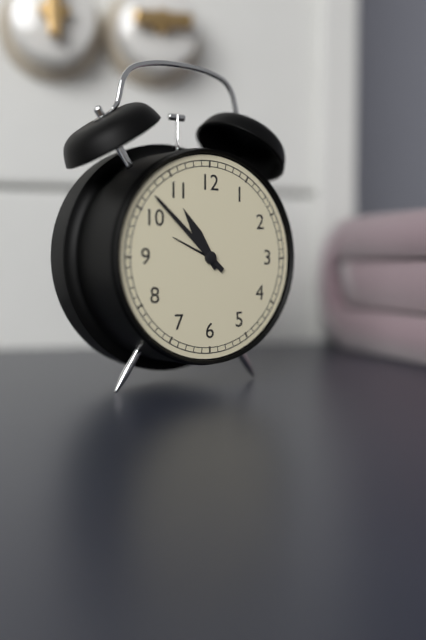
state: 10:52
